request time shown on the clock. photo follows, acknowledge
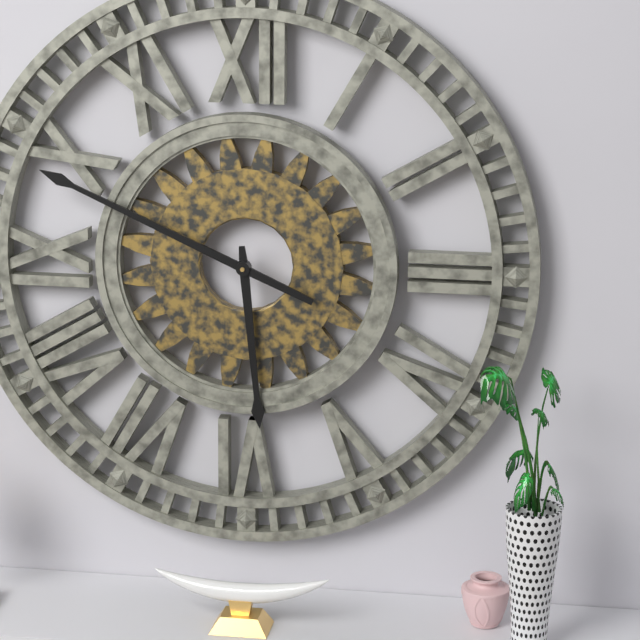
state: 5:49
